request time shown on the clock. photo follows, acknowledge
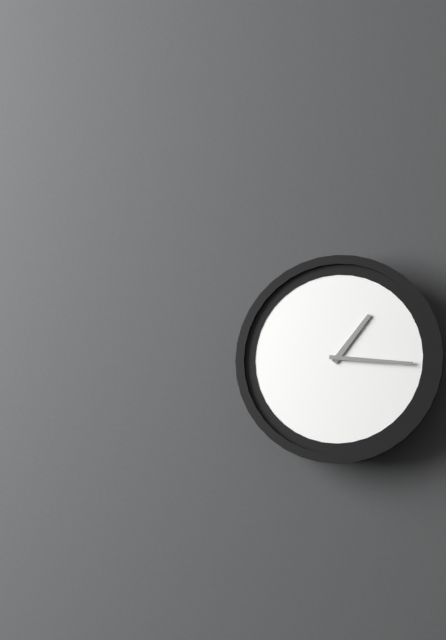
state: 1:16
